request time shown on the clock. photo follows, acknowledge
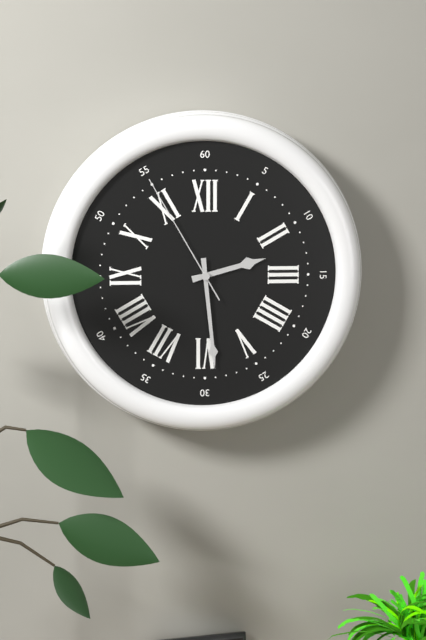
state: 2:29:55
